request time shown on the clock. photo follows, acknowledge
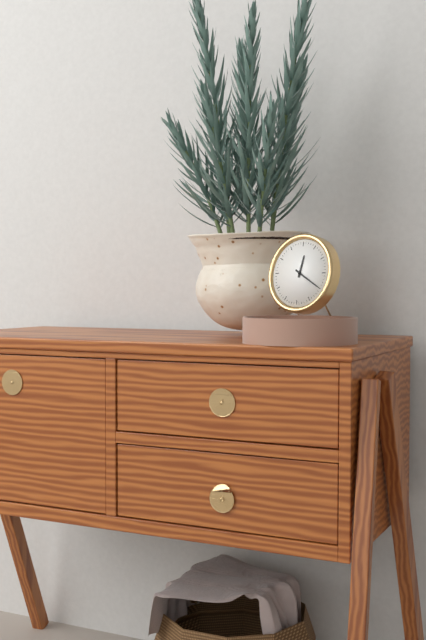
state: 12:20
